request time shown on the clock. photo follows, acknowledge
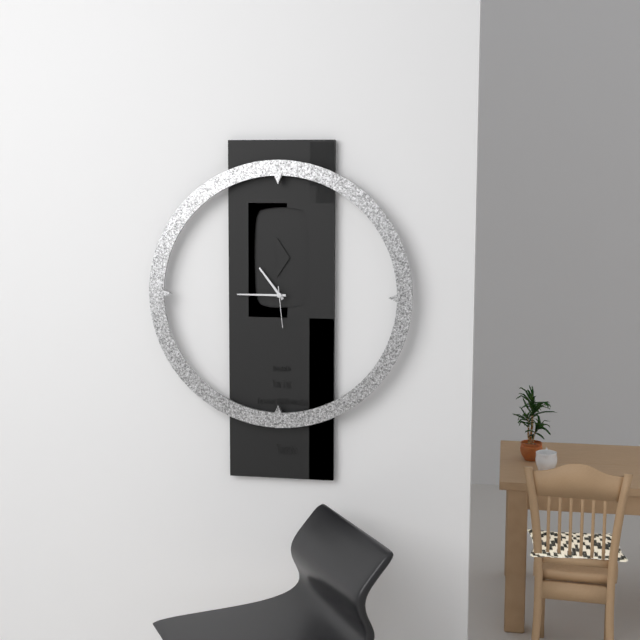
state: 10:45
